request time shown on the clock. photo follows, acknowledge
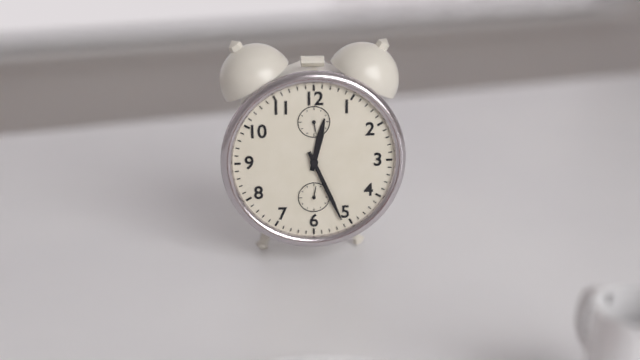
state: 12:26
